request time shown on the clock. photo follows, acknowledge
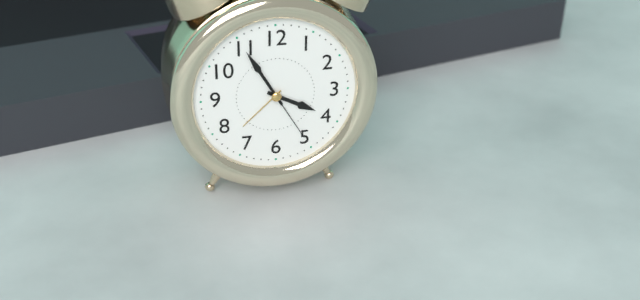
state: 3:55:25
